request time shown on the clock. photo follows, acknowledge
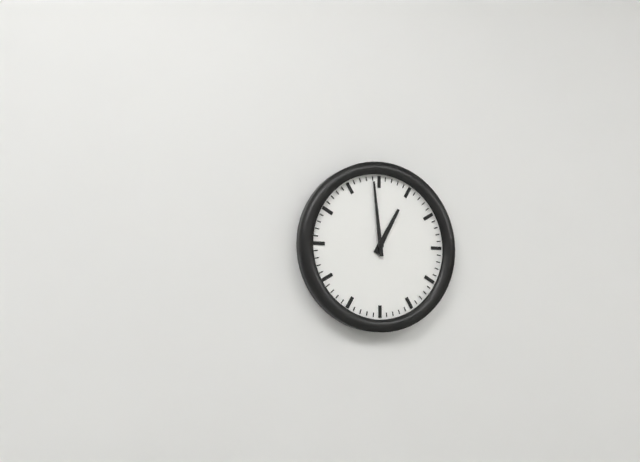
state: 12:59
